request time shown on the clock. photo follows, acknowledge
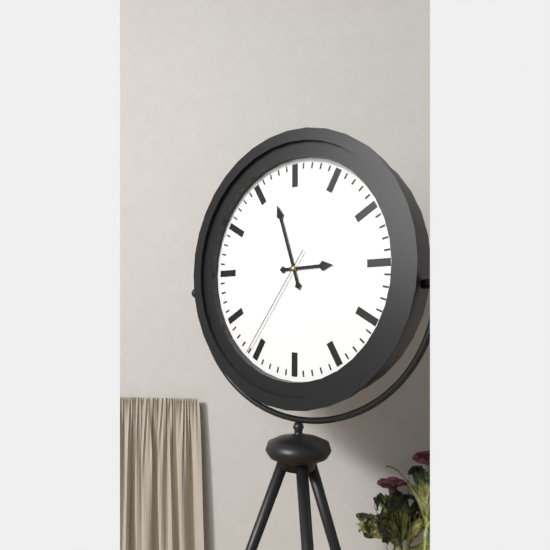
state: 2:57:36
